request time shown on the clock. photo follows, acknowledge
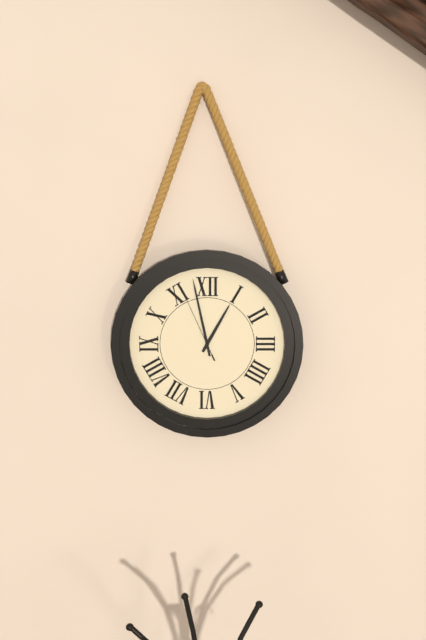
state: 12:58:56
